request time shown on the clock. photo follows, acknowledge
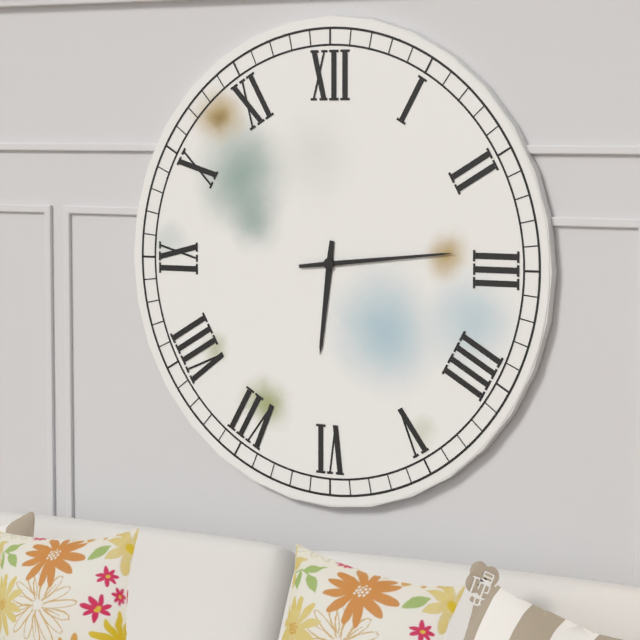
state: 6:14
